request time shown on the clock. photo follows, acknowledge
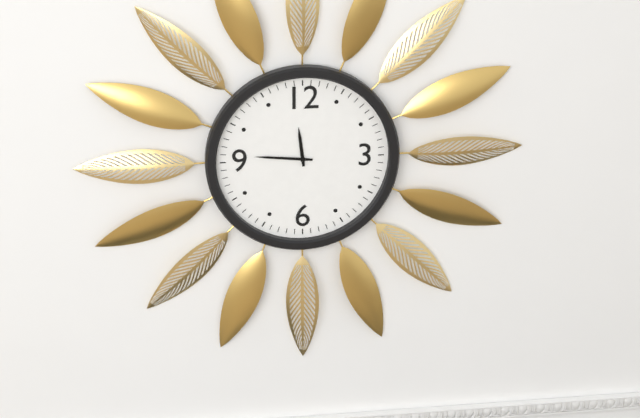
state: 11:46
